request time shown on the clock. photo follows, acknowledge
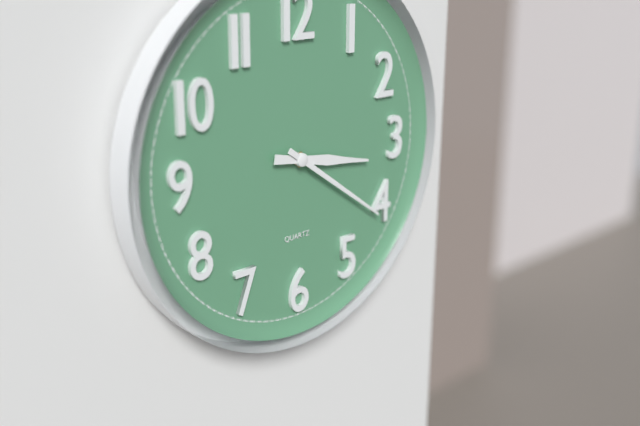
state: 3:21
